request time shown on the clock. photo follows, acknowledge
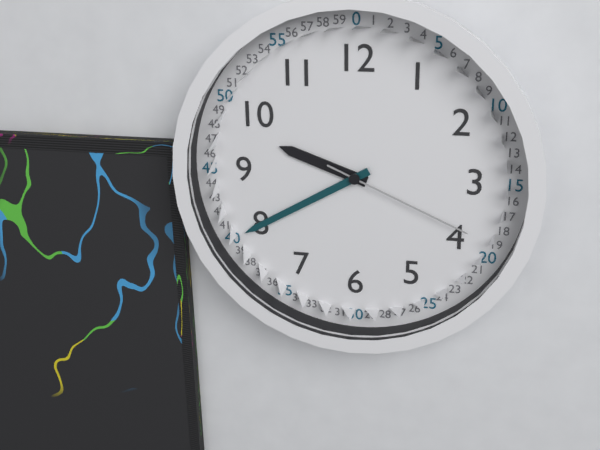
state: 9:40:19
